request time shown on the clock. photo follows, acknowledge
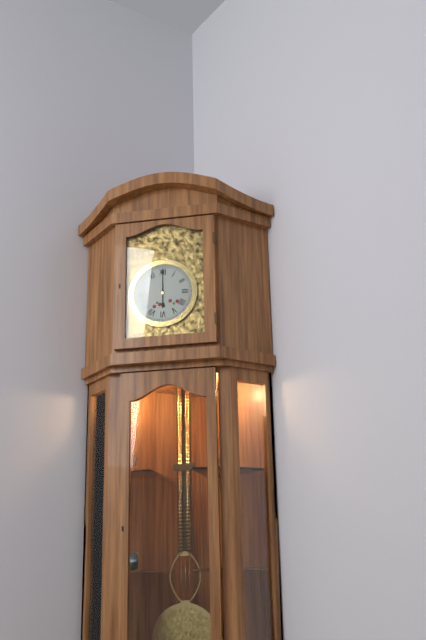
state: 6:00
